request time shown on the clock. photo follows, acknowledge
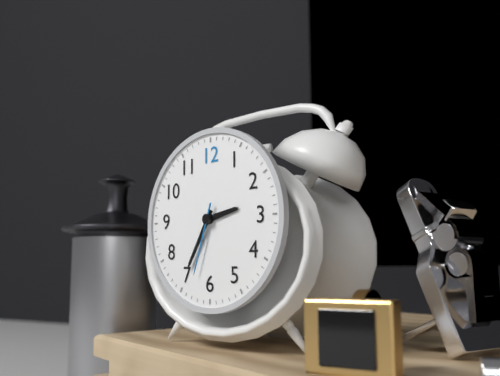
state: 2:35:33
